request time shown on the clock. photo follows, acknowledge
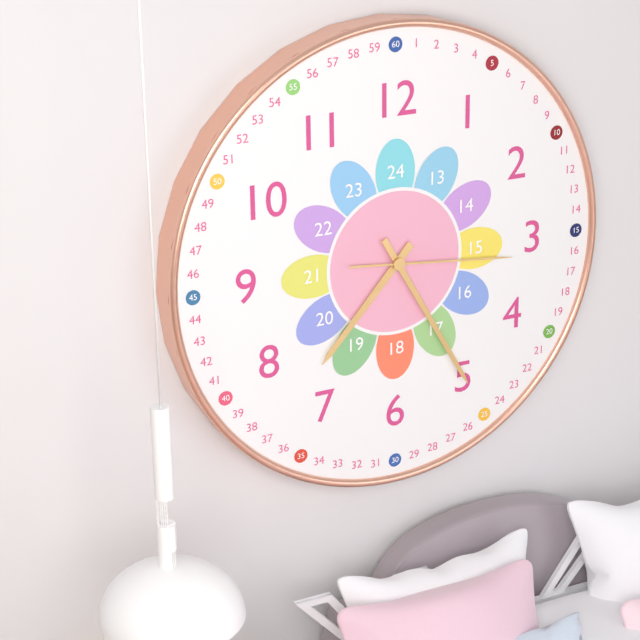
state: 7:25:16
